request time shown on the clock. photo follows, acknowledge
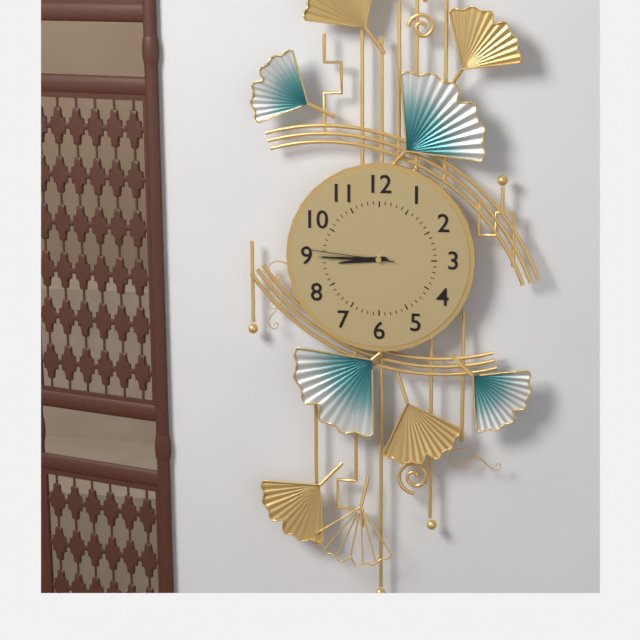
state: 8:45:46
